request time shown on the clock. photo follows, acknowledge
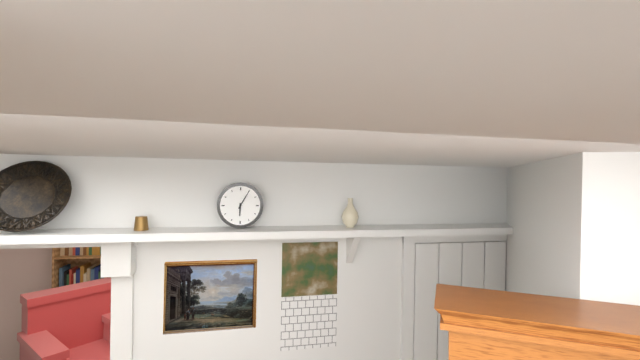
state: 6:05
